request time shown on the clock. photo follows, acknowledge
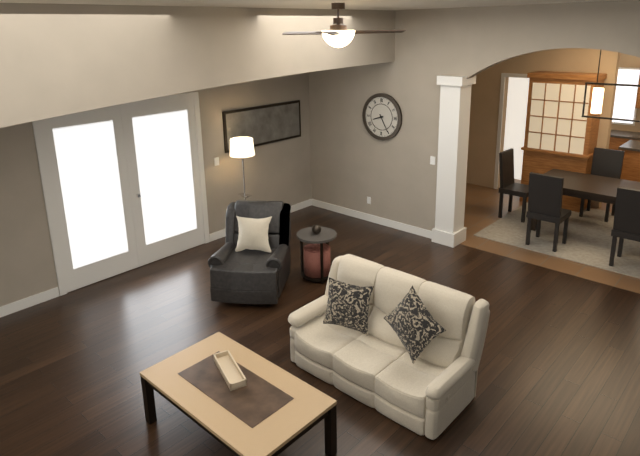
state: 8:25
